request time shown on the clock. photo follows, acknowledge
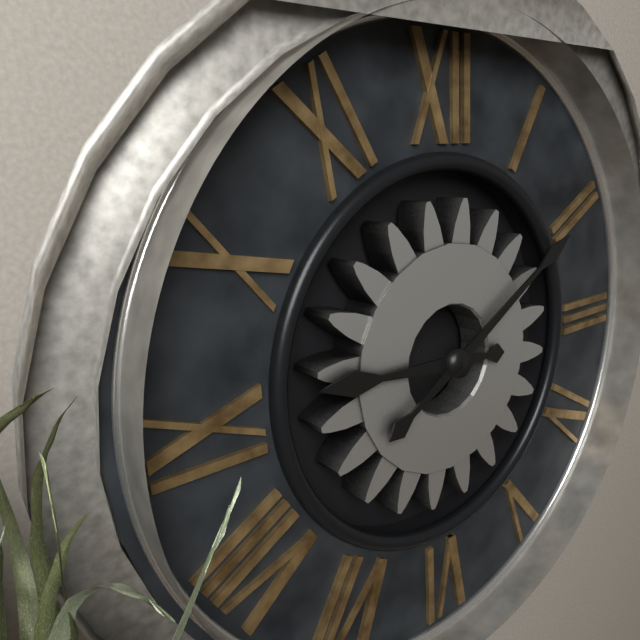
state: 9:10
